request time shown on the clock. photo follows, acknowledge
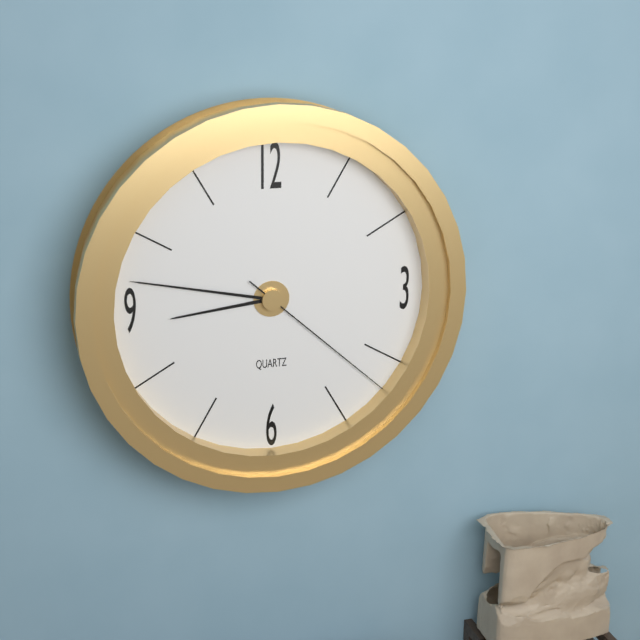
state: 8:47:22
